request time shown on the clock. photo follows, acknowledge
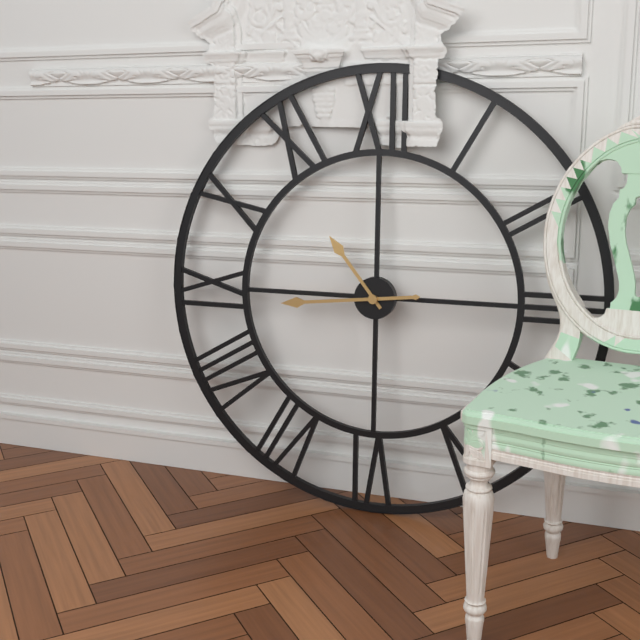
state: 10:44
